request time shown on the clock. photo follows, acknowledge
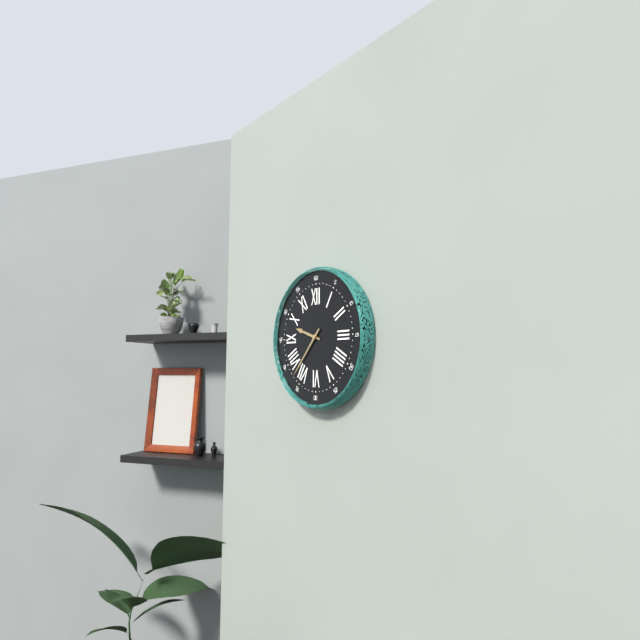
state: 9:37
